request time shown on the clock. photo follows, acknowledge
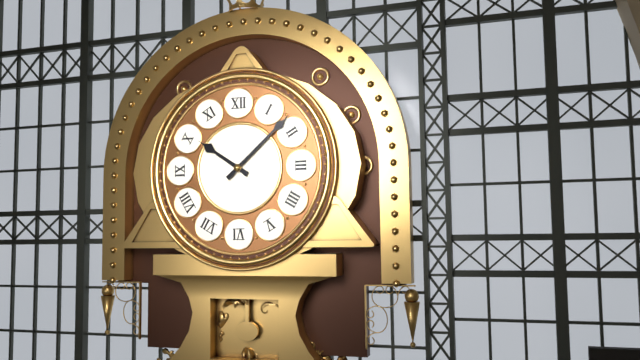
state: 10:08
